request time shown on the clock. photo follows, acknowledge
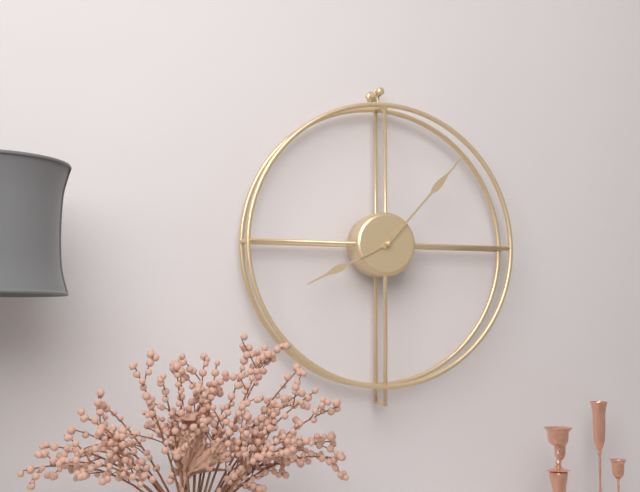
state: 8:07
